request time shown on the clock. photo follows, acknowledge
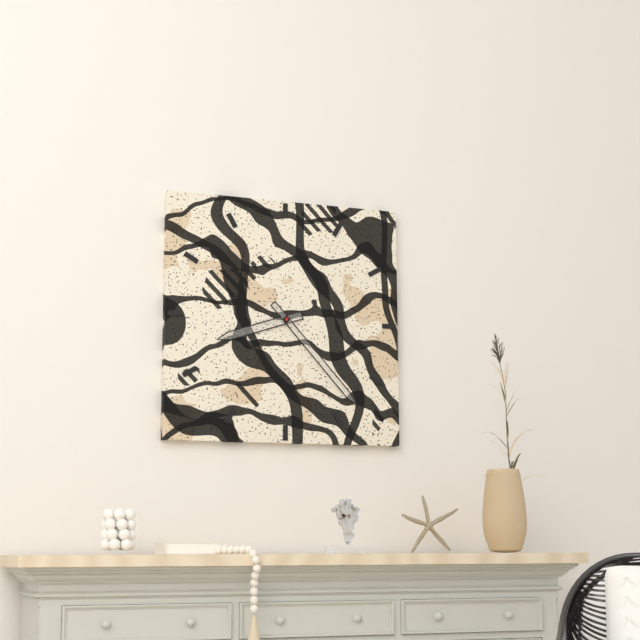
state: 8:23
